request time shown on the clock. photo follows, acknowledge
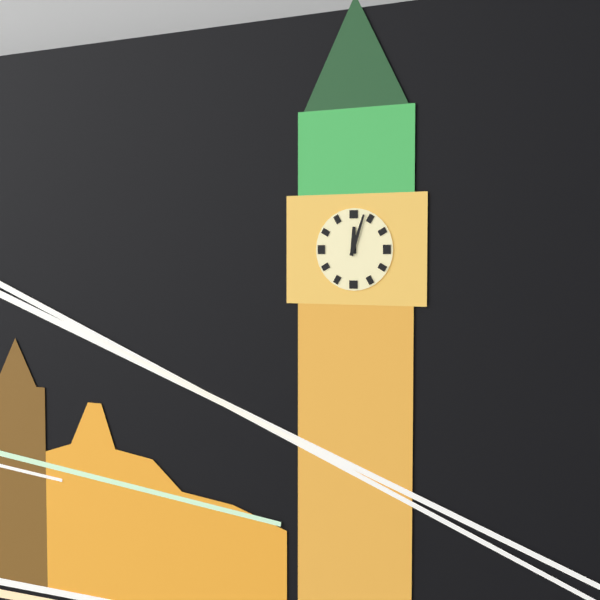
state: 12:03
